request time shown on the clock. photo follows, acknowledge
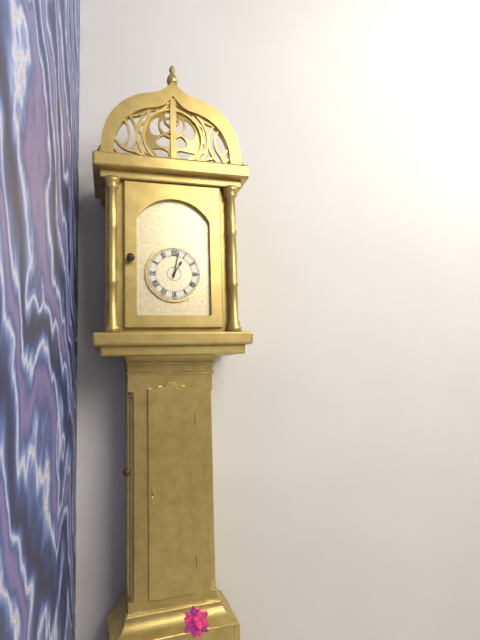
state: 1:02
